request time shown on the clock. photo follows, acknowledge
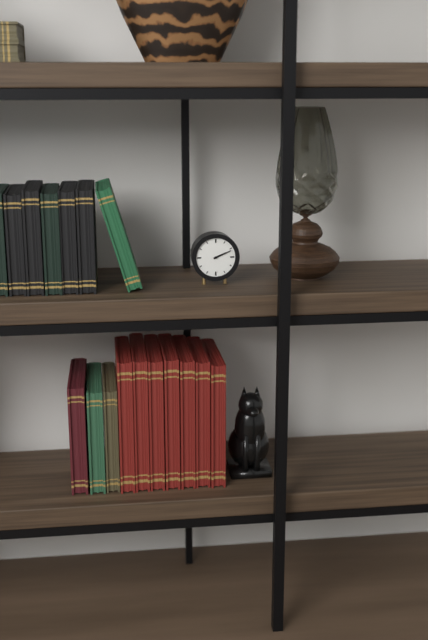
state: 2:11
